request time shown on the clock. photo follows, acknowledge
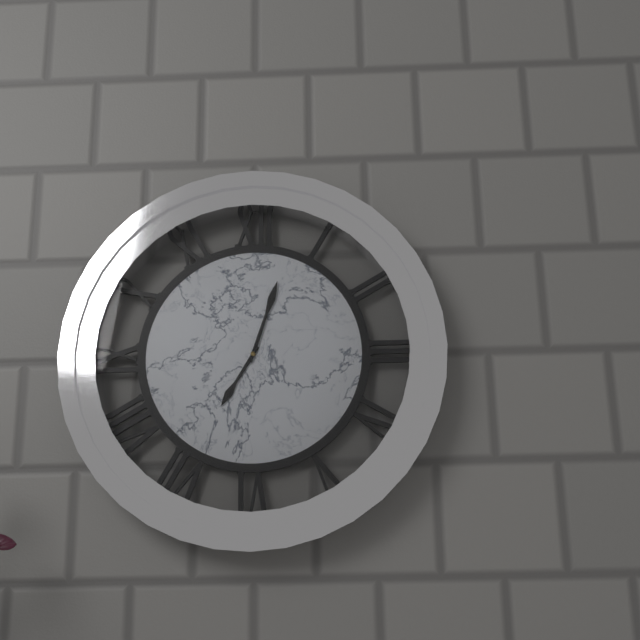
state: 7:03
